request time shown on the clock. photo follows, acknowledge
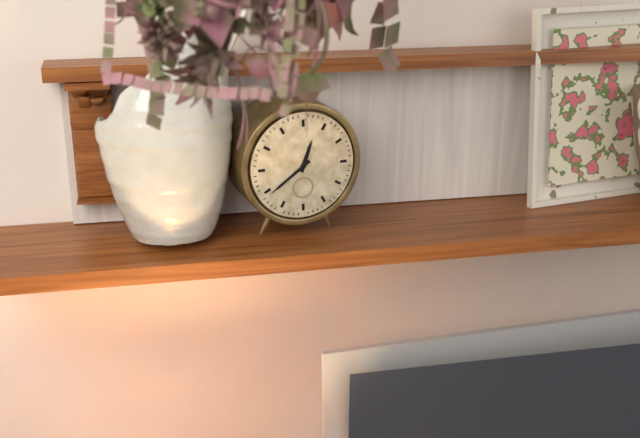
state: 12:39
